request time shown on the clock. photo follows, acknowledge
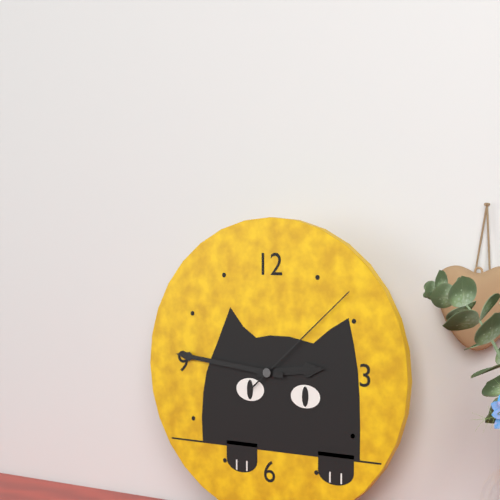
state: 2:46:08
